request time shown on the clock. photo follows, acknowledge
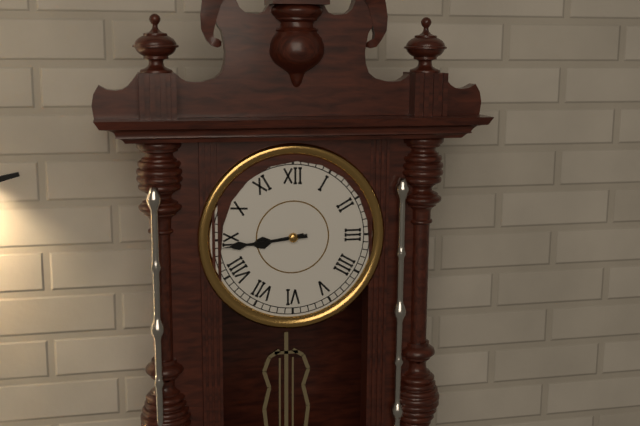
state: 8:44
